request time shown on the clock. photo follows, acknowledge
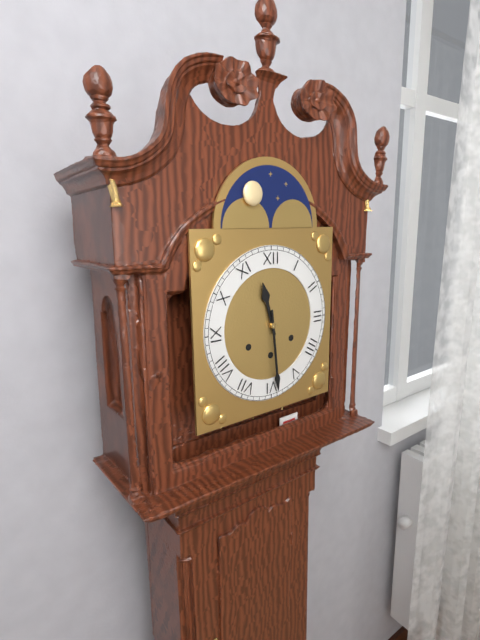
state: 11:29
